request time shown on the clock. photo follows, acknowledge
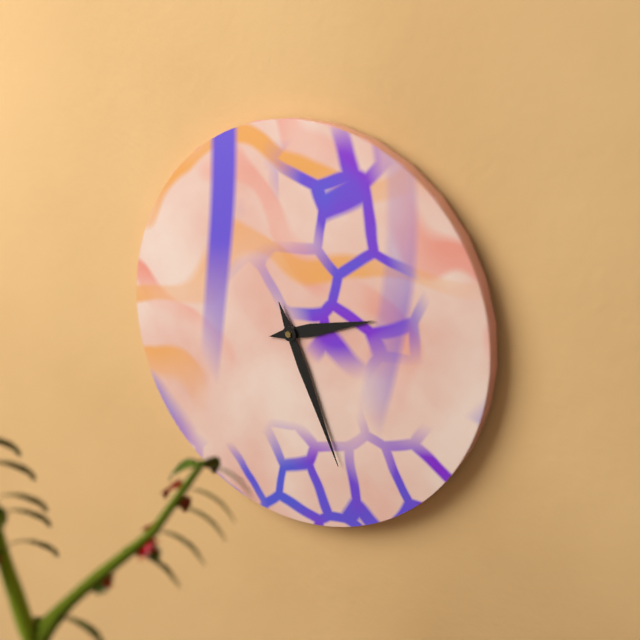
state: 2:26
